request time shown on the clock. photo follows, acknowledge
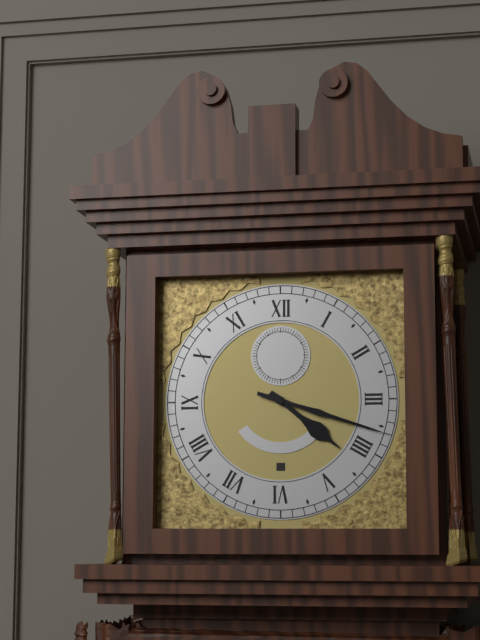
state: 4:18
